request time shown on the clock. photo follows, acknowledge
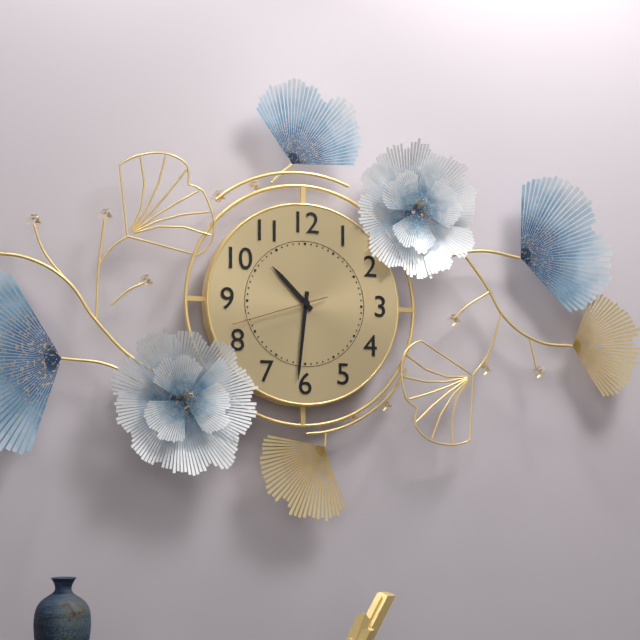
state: 10:31:42
